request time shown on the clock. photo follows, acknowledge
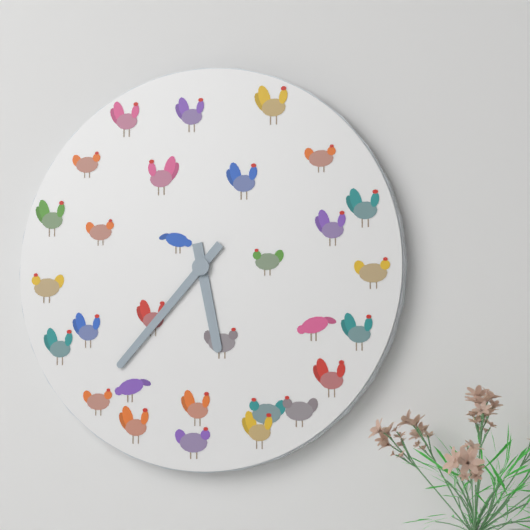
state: 5:37
